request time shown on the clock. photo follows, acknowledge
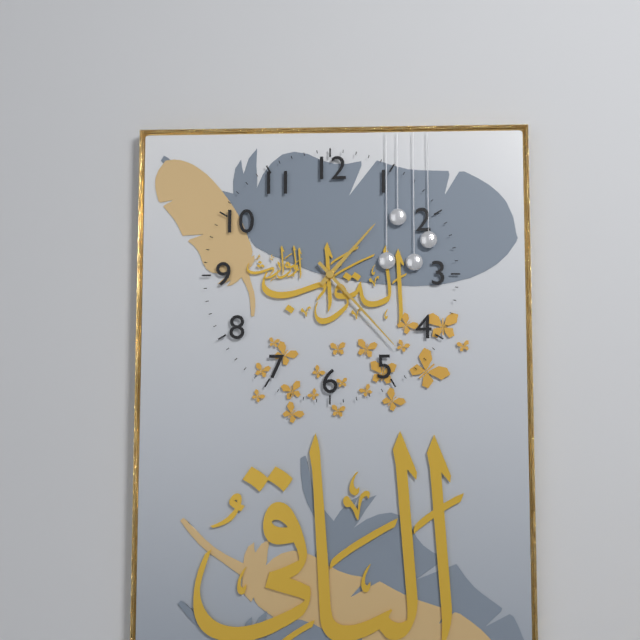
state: 1:23
